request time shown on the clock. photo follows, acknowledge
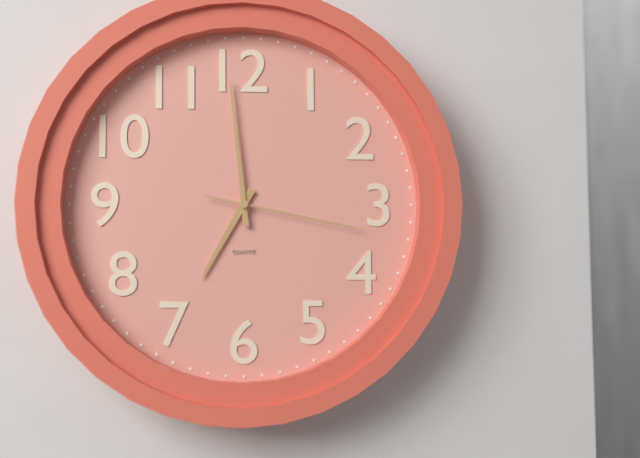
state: 6:59:17
